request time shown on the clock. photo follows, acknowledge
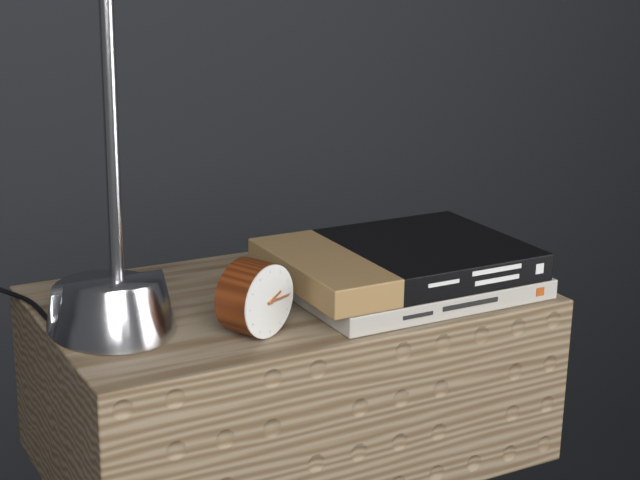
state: 2:15
